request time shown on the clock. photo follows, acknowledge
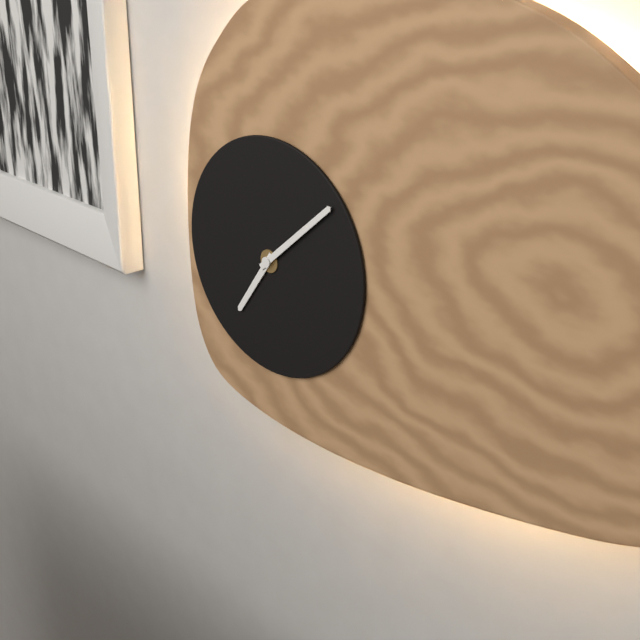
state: 7:08
